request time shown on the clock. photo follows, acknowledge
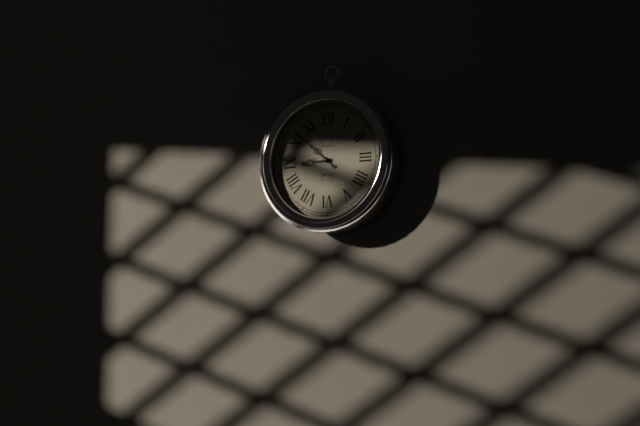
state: 8:52
